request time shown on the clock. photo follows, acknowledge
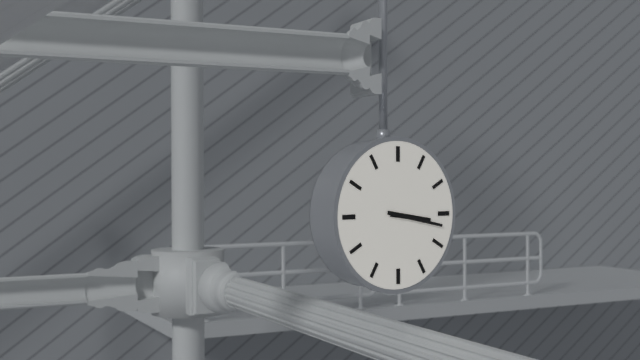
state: 3:17
